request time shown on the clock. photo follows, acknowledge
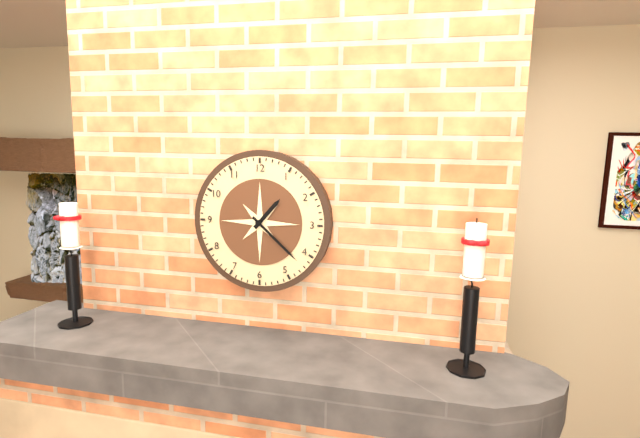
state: 1:22
